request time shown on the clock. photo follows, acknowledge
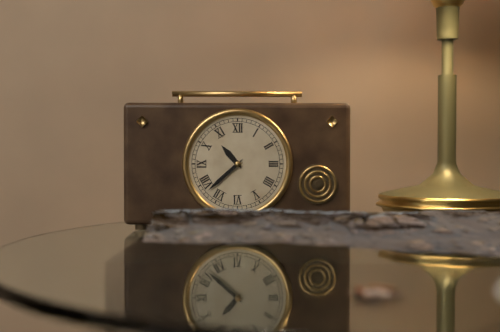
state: 10:38
